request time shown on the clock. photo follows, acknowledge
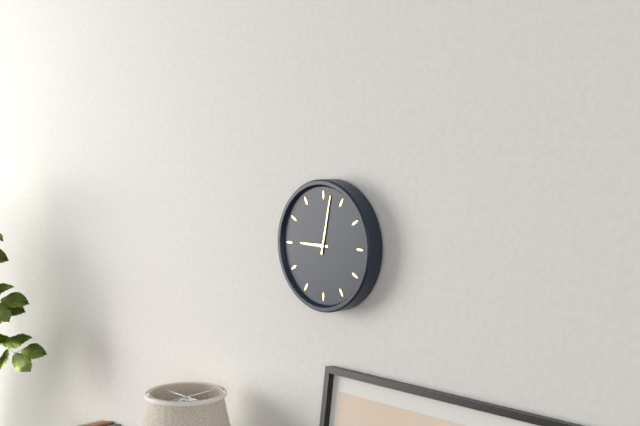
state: 9:02
